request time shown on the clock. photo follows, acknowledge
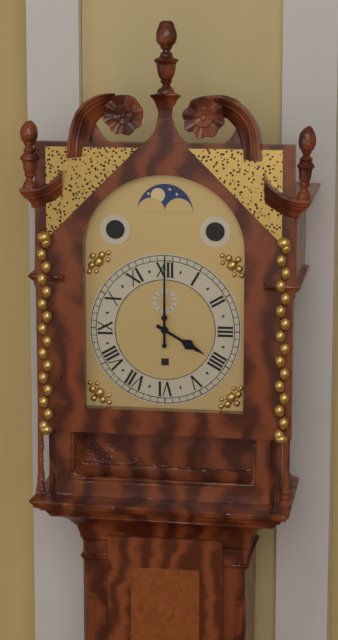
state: 4:00
